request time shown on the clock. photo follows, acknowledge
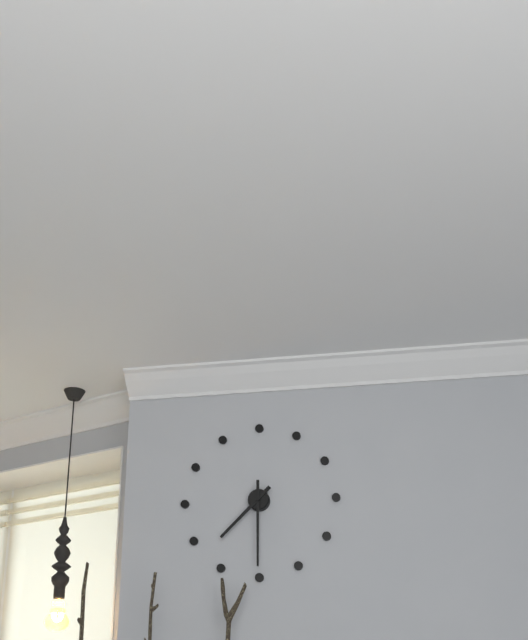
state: 7:30
